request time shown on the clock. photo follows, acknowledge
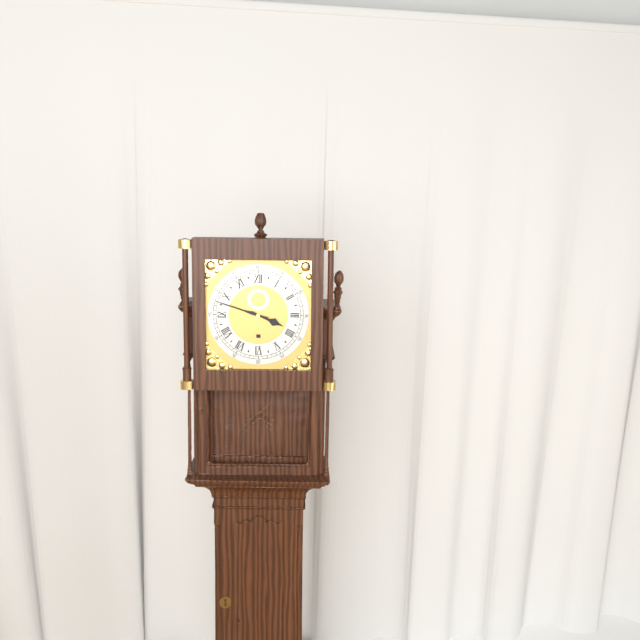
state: 3:48
